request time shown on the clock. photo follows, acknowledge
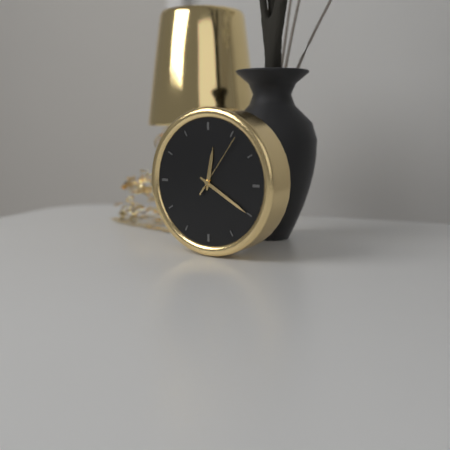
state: 12:20:06
